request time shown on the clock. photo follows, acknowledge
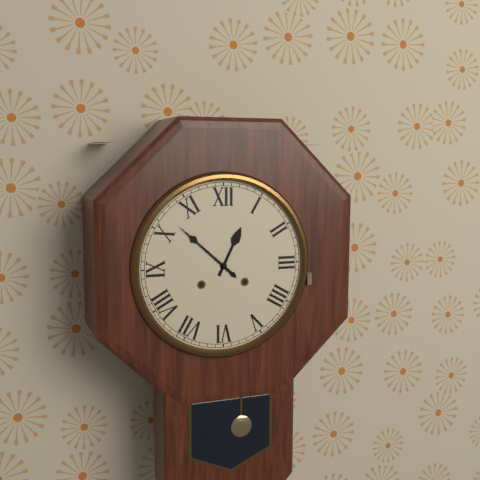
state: 12:52
